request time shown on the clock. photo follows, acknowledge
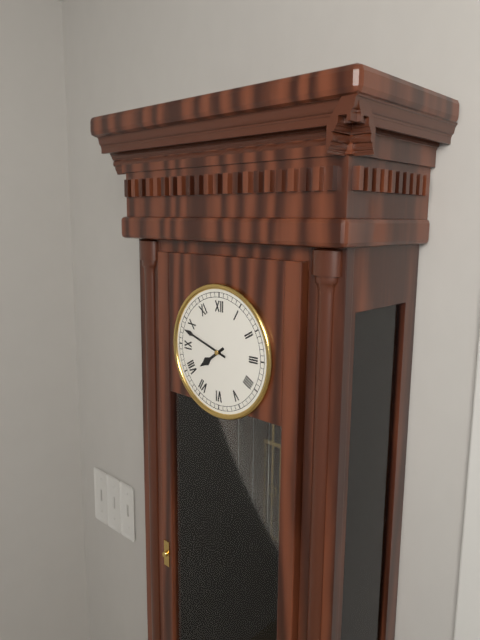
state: 7:48
